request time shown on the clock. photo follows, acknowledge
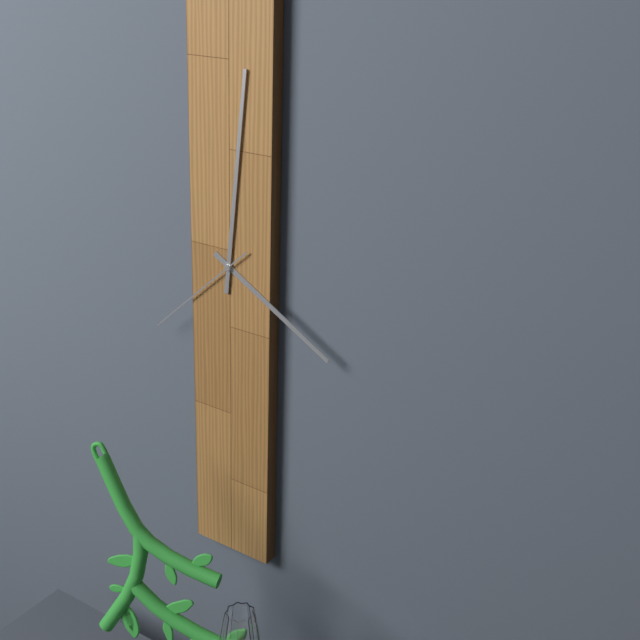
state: 4:01:38
